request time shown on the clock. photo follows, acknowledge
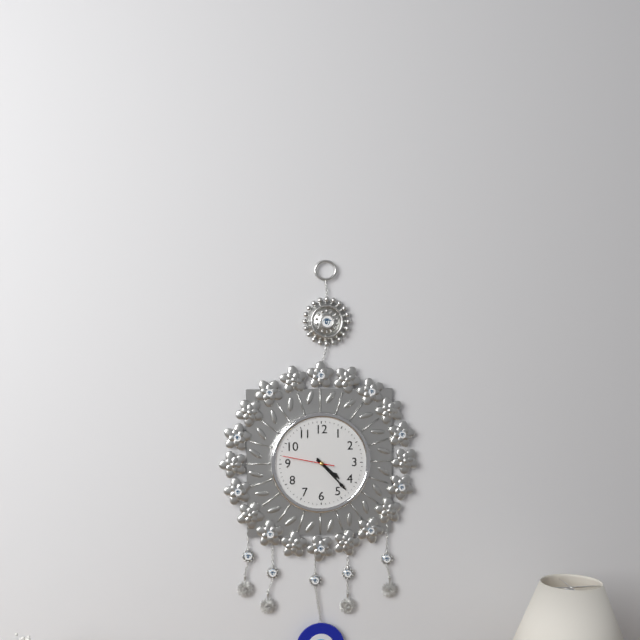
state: 4:23
